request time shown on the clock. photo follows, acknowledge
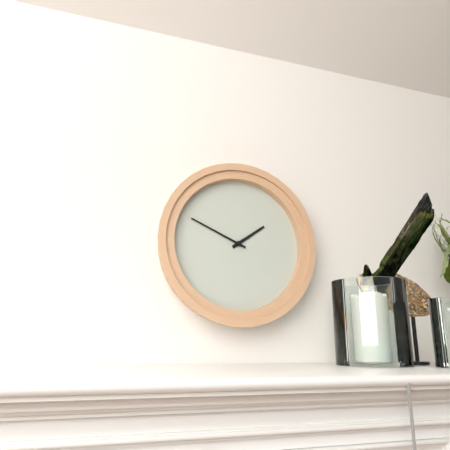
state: 1:49
